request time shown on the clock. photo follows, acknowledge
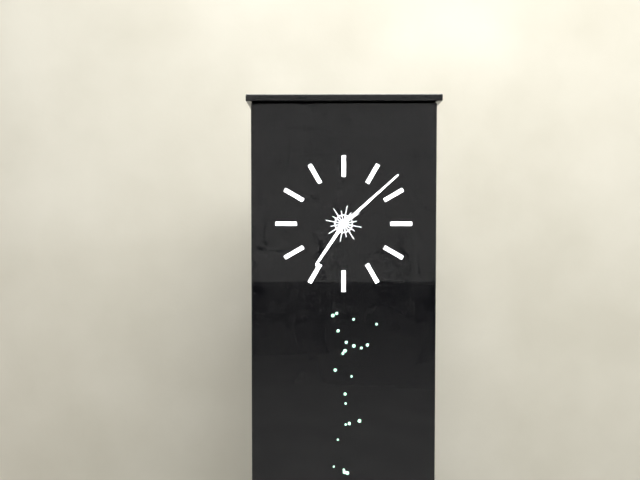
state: 7:08
